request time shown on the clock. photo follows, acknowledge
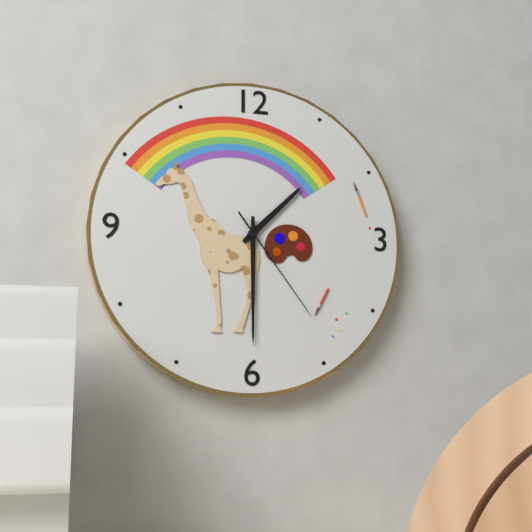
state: 1:30:24
